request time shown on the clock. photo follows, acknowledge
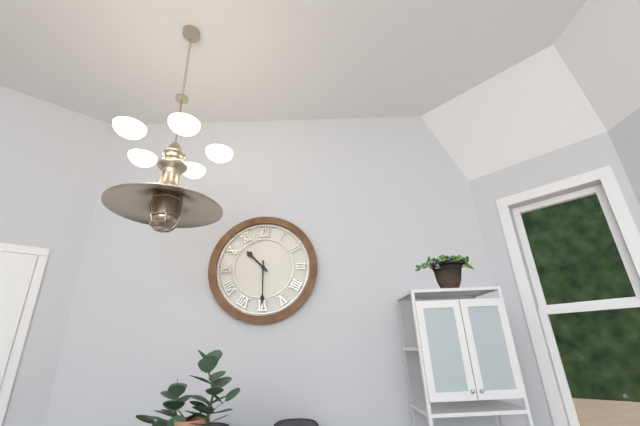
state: 10:30
